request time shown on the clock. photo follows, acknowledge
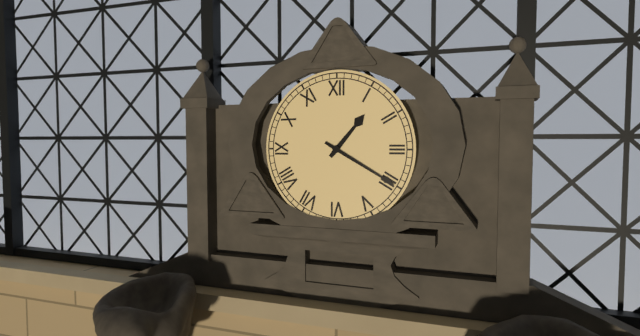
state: 1:20
